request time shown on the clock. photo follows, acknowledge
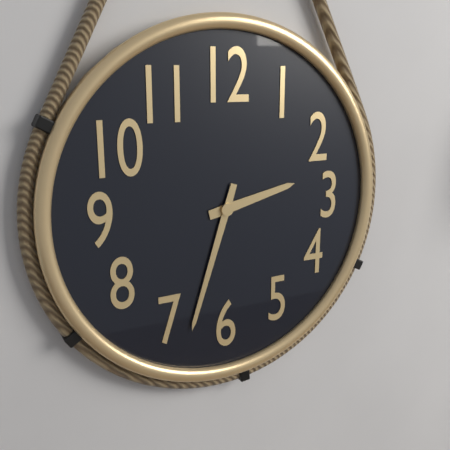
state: 2:33
